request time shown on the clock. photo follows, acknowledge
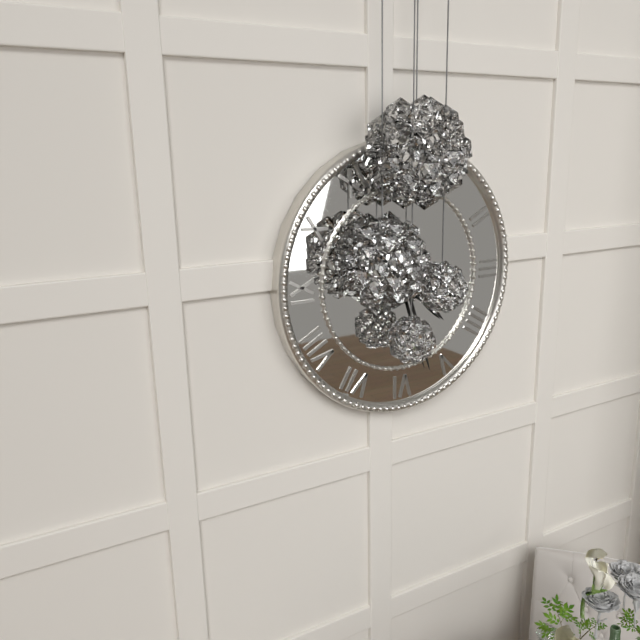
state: 4:27
